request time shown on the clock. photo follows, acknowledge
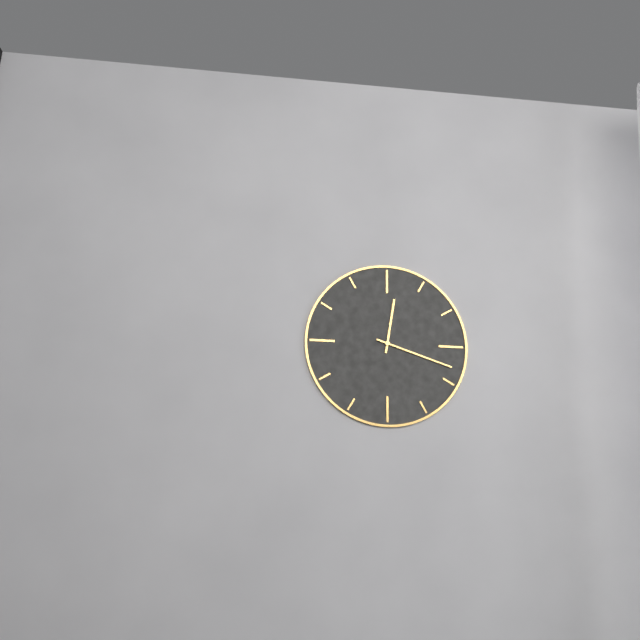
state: 12:18
